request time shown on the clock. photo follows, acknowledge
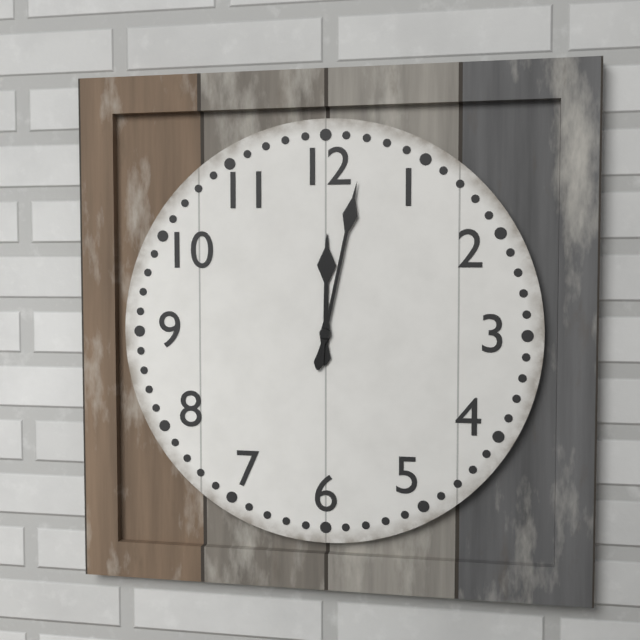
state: 12:02
